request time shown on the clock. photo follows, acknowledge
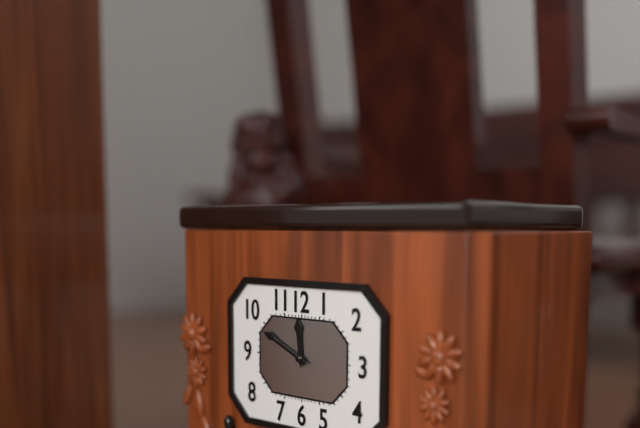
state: 11:49
